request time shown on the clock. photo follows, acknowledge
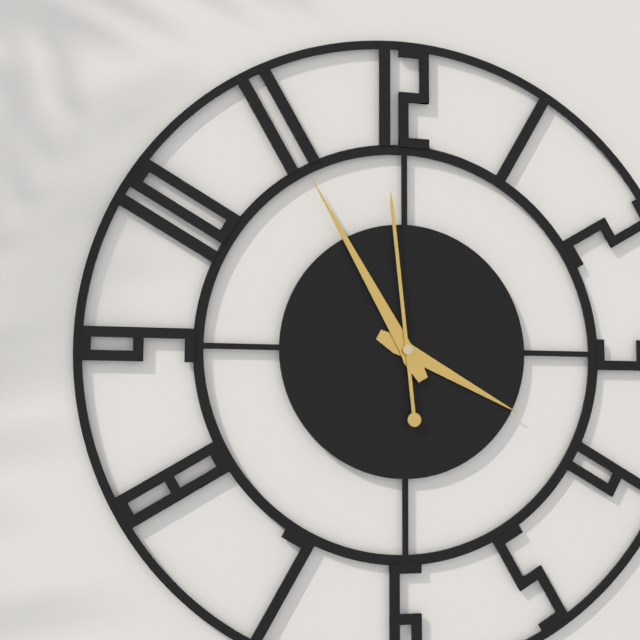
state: 3:55:59
